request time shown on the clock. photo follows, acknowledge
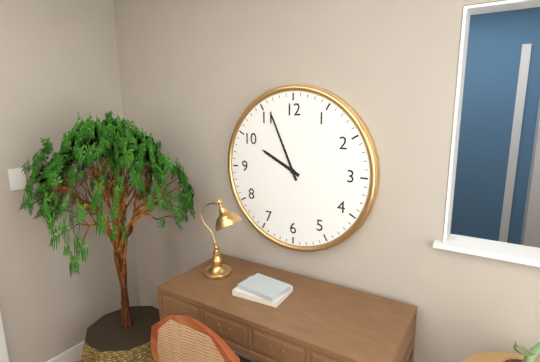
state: 9:56
